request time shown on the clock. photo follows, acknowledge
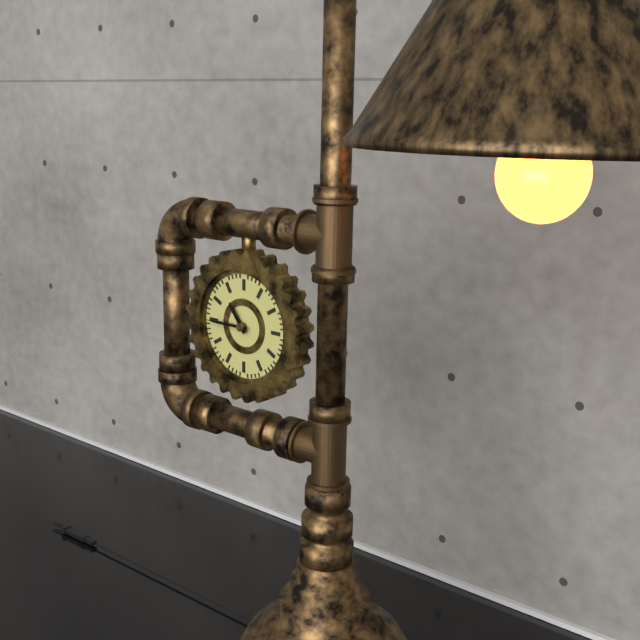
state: 10:45
